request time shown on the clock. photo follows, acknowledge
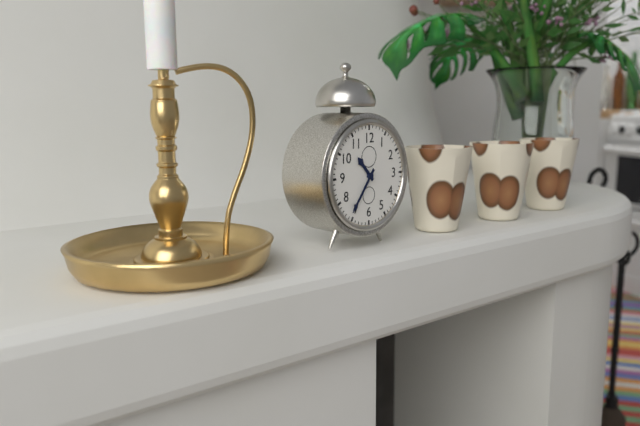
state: 10:36
